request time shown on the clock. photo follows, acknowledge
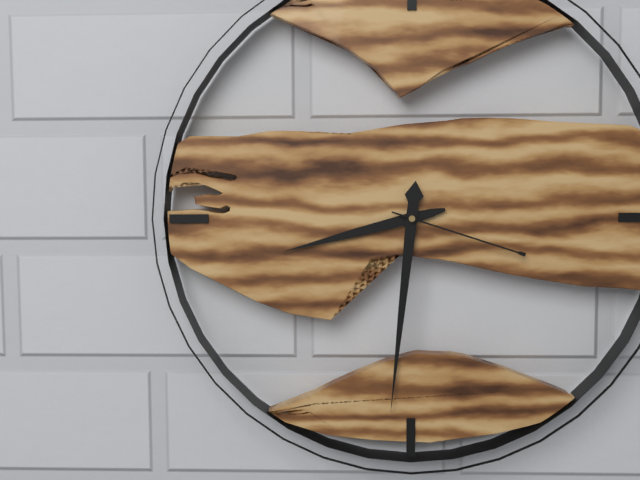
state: 8:31:18
